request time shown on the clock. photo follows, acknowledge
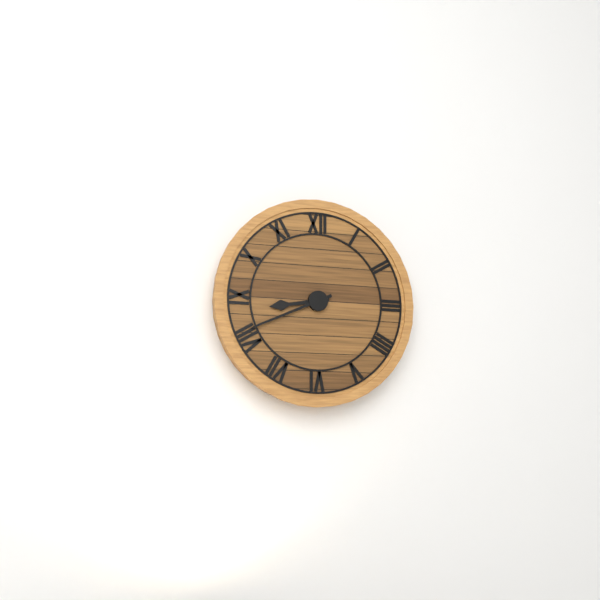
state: 8:41
